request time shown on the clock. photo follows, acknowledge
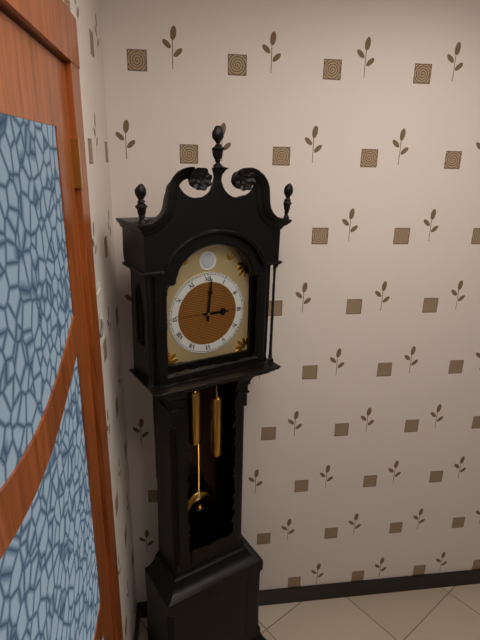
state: 3:01
